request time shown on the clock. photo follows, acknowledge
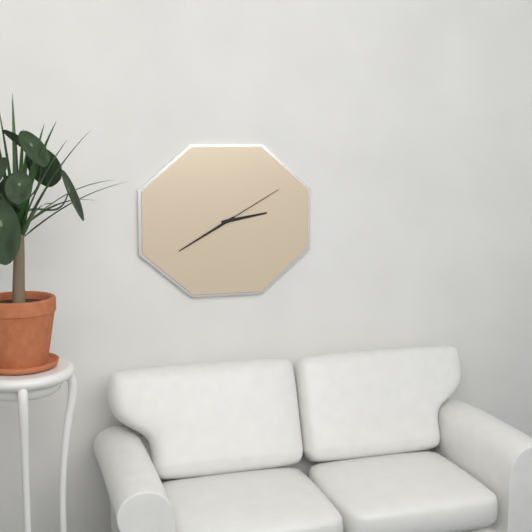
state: 2:40:10
